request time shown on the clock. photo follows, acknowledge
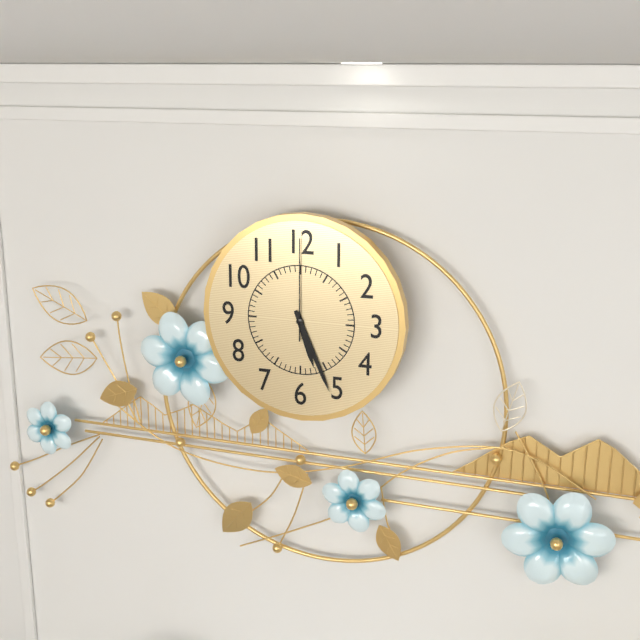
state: 5:26:00
